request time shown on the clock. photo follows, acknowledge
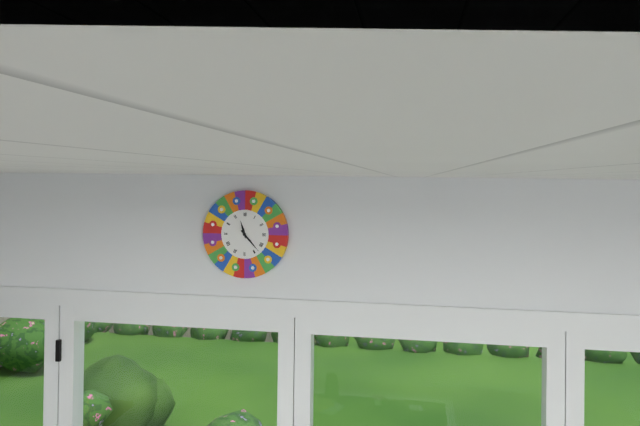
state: 11:23
